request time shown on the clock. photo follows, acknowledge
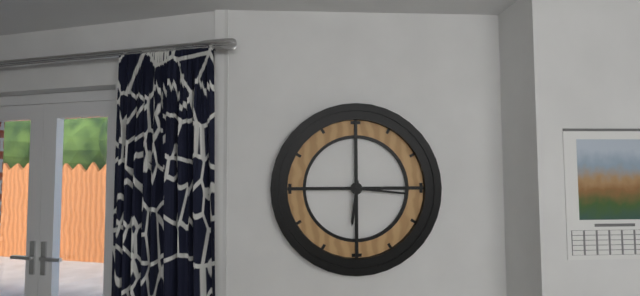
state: 6:16
